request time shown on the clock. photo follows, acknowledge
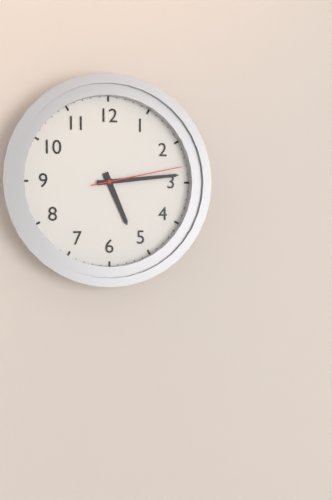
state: 5:14:13
